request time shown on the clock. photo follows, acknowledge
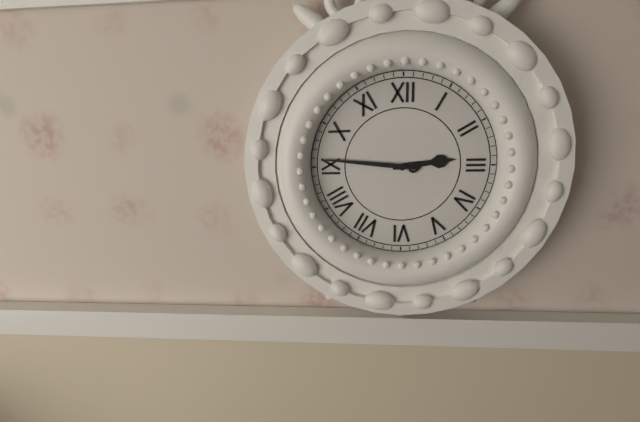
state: 2:46
